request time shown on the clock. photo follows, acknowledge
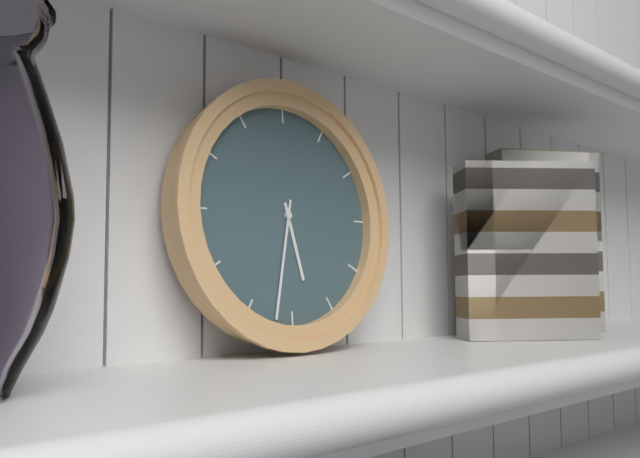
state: 5:32
